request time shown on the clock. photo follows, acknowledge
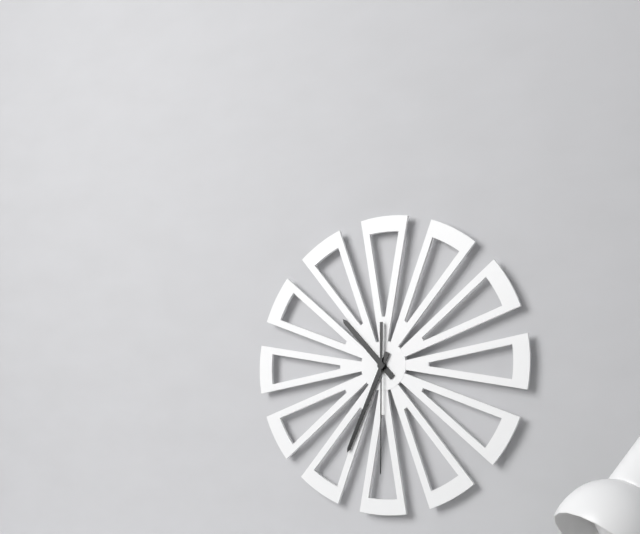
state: 10:34:30
